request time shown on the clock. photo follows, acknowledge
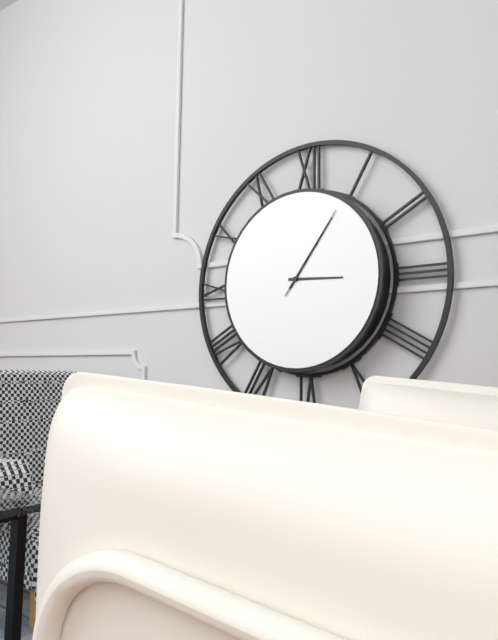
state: 3:06:06
